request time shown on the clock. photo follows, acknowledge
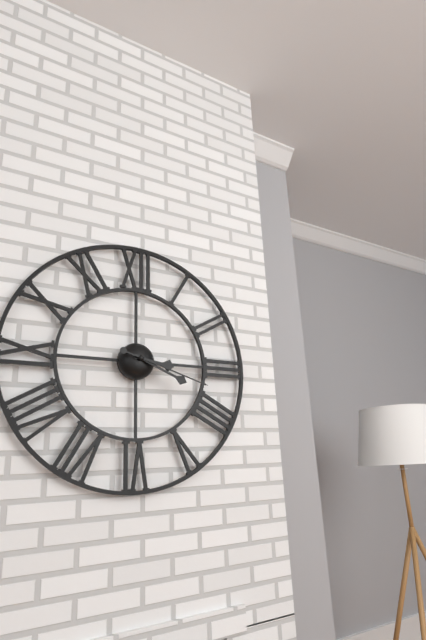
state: 3:19:18
